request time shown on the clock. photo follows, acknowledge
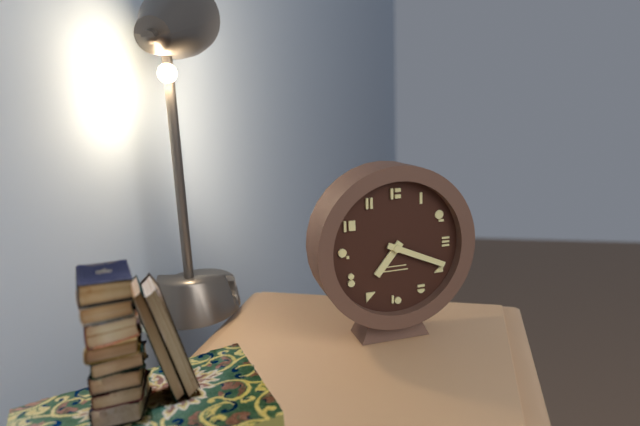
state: 7:19
